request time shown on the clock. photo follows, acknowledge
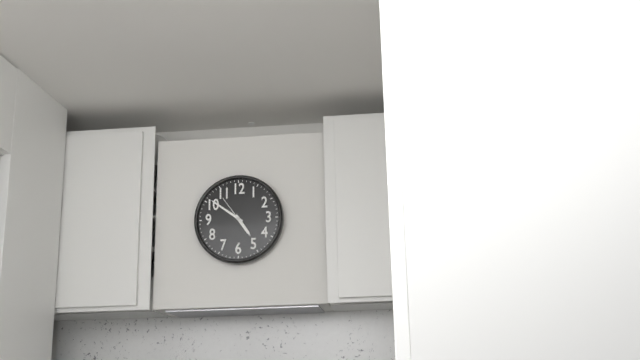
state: 4:51
